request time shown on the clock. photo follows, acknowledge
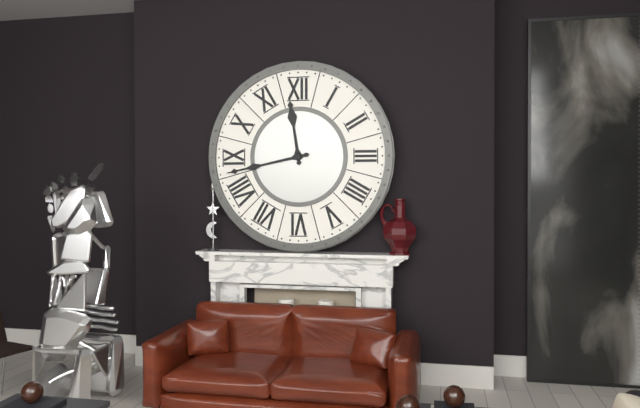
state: 11:43
